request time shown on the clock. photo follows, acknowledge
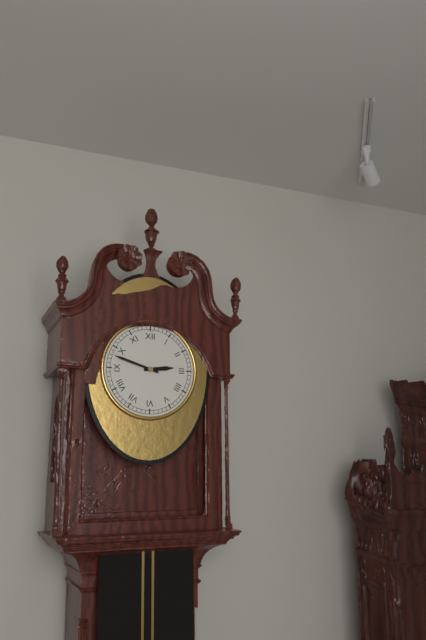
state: 2:48
